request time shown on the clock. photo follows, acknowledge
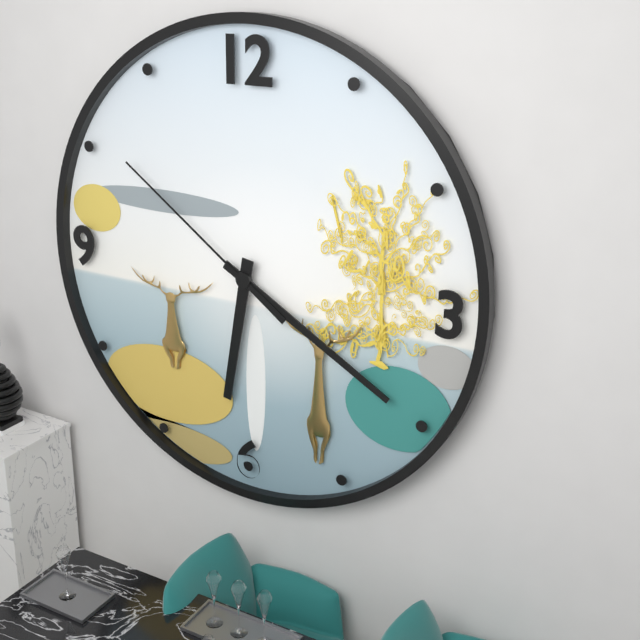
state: 6:20:51
